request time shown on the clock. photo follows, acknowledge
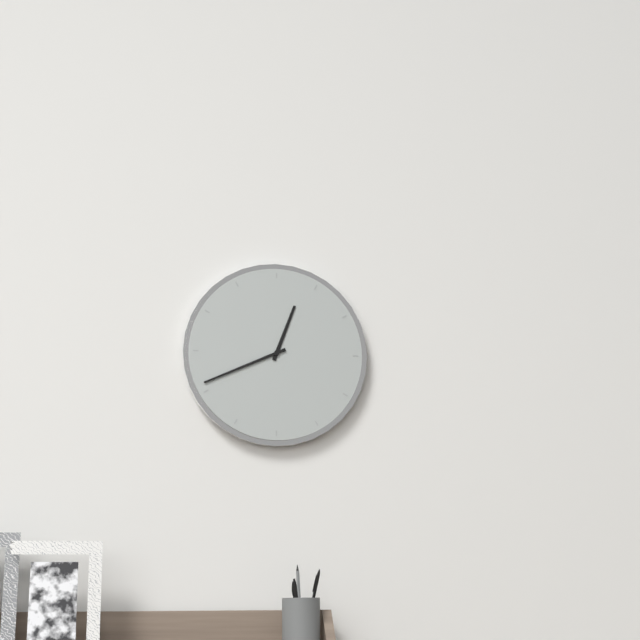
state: 12:41
